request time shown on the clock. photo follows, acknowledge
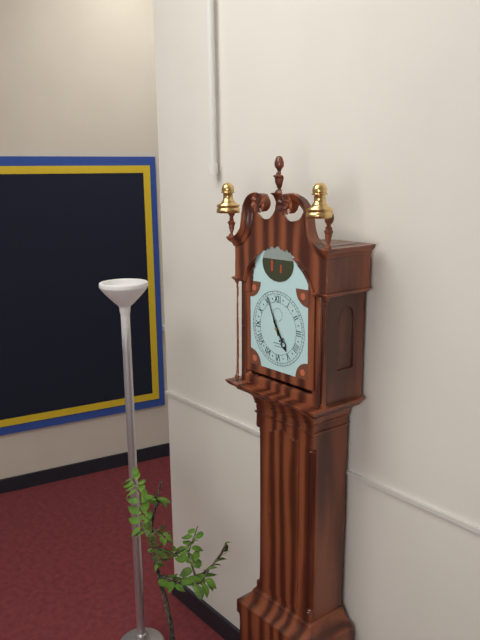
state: 4:56
